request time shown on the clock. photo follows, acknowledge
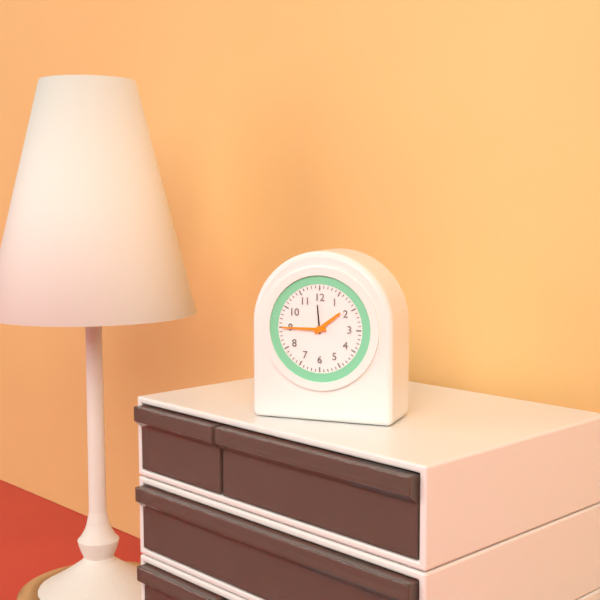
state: 1:45
